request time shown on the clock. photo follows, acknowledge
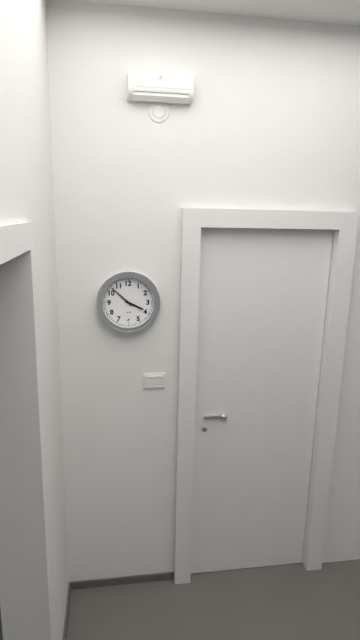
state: 3:52
